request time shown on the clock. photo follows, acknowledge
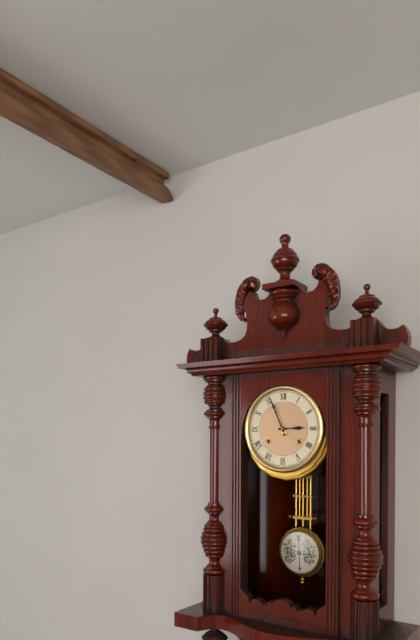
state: 2:56
